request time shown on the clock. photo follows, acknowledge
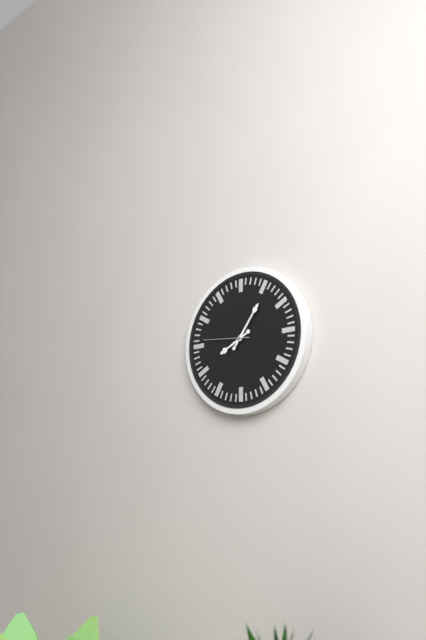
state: 8:06
